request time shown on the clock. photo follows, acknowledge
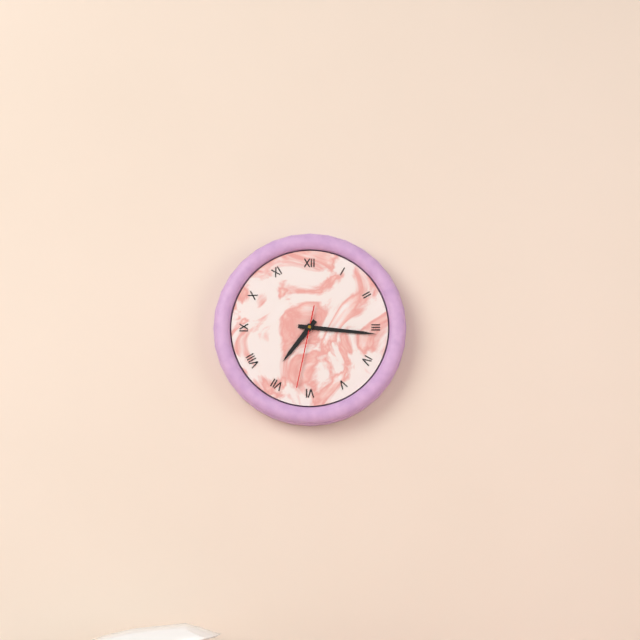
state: 7:16:32
